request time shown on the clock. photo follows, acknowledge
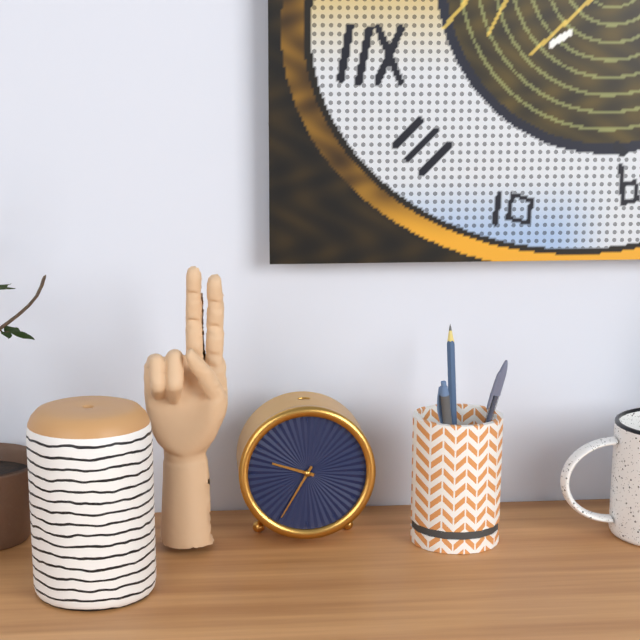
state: 9:35
